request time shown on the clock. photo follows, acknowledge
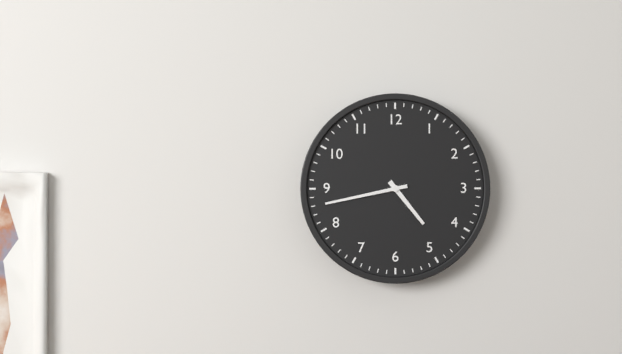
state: 4:43
